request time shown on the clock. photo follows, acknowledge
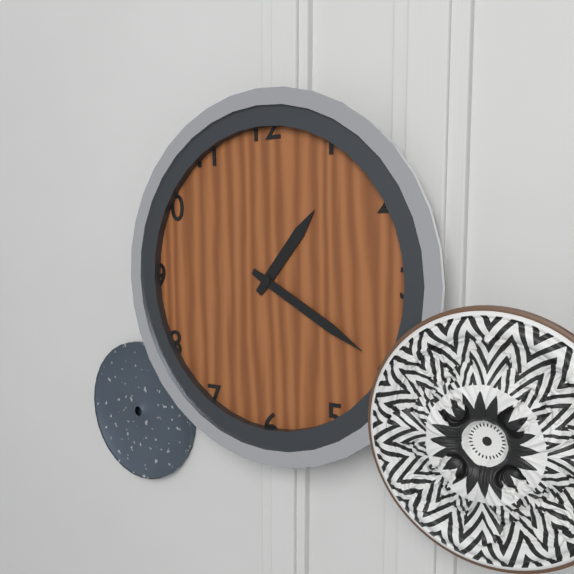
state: 1:20
